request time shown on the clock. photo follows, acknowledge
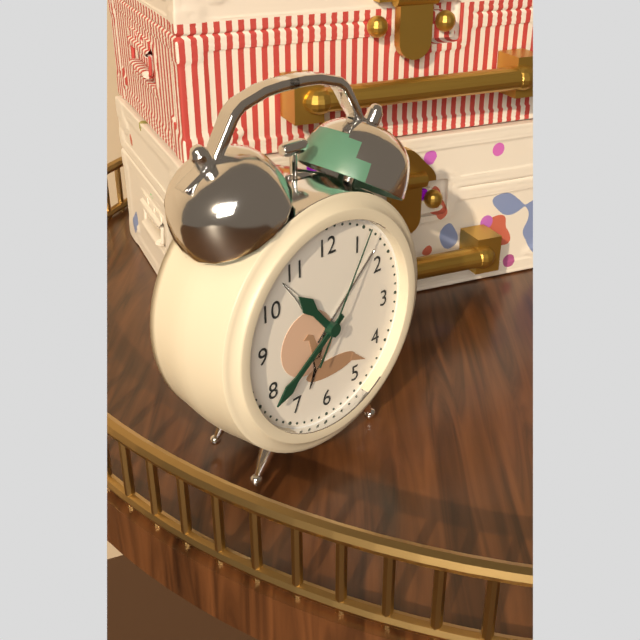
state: 10:39:05
